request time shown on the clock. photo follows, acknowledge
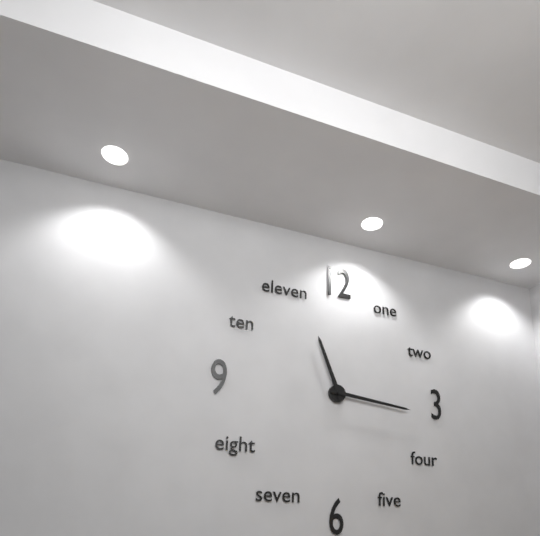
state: 11:16
